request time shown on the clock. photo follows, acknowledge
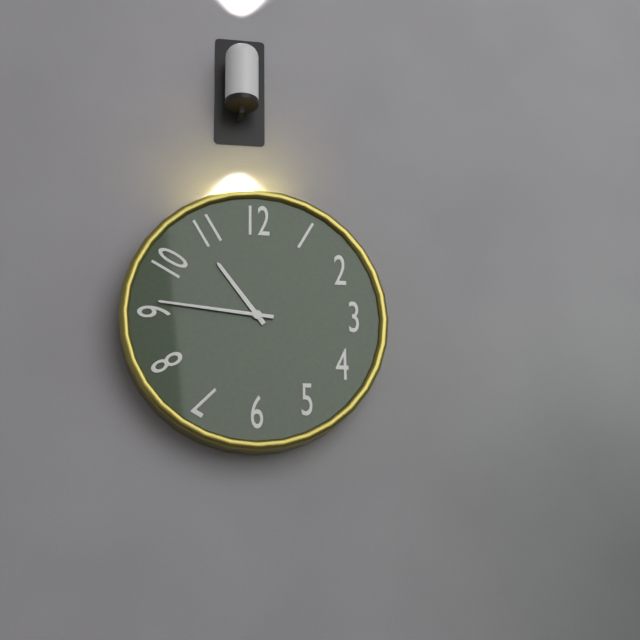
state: 10:46
